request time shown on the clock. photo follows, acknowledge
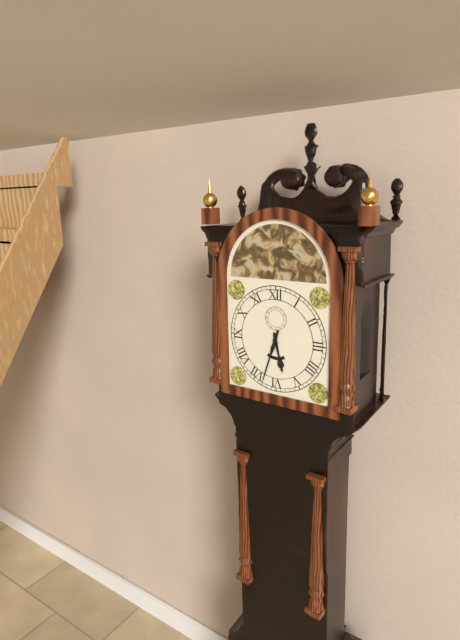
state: 5:33
